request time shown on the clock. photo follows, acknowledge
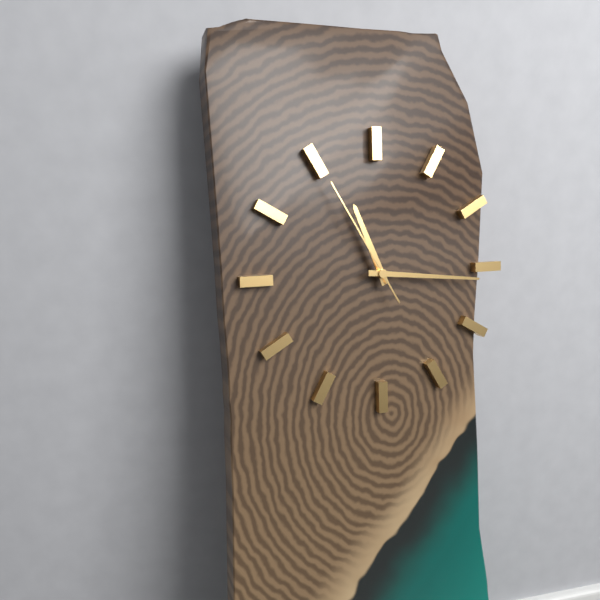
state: 11:16:55
